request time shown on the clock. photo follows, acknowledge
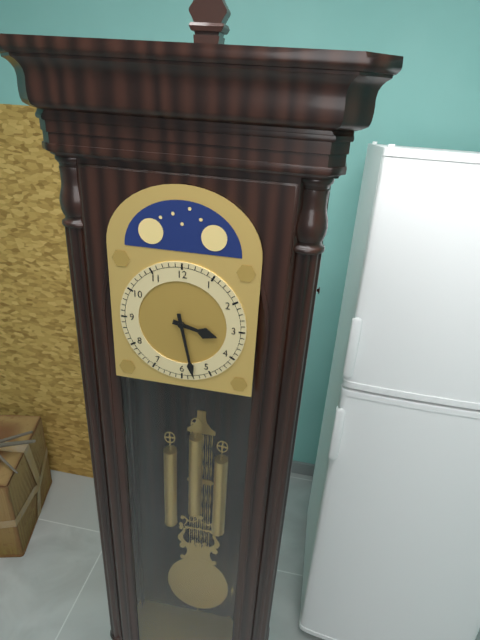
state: 3:28
